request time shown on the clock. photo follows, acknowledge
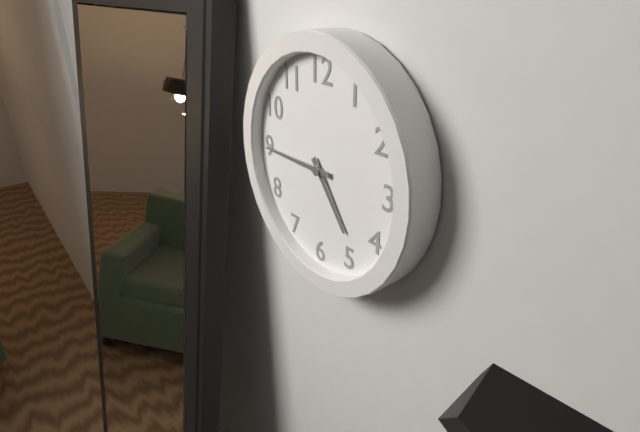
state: 4:45
